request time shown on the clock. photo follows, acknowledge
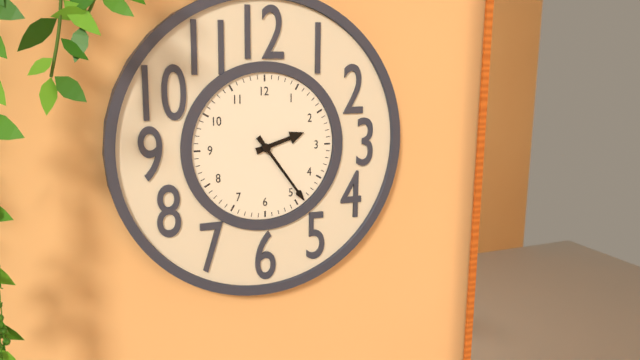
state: 2:24
